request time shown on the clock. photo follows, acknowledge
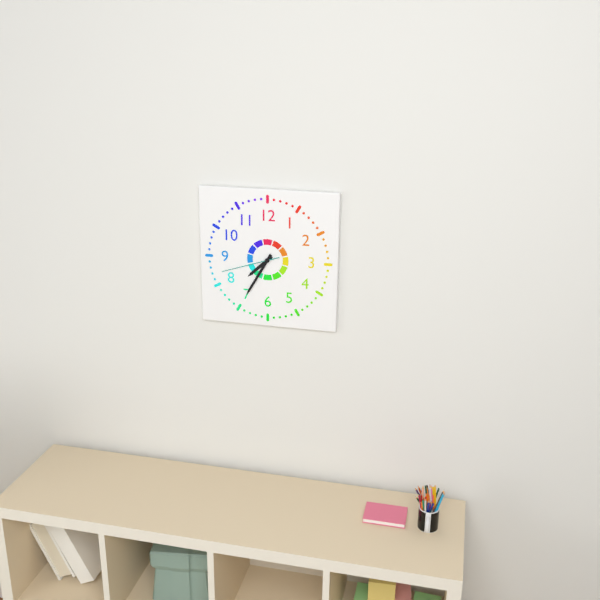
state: 7:35:42
